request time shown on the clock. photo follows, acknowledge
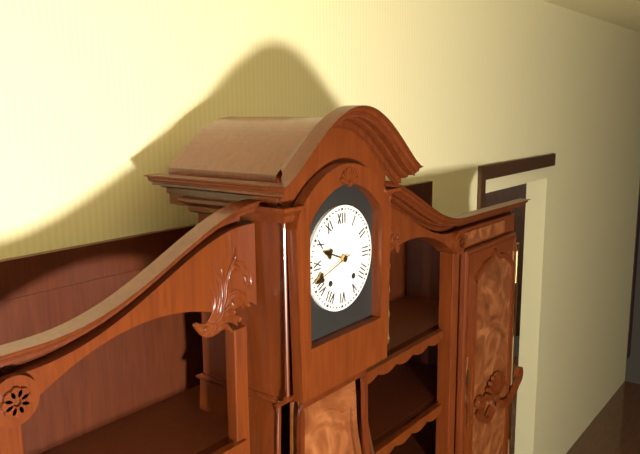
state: 9:42
